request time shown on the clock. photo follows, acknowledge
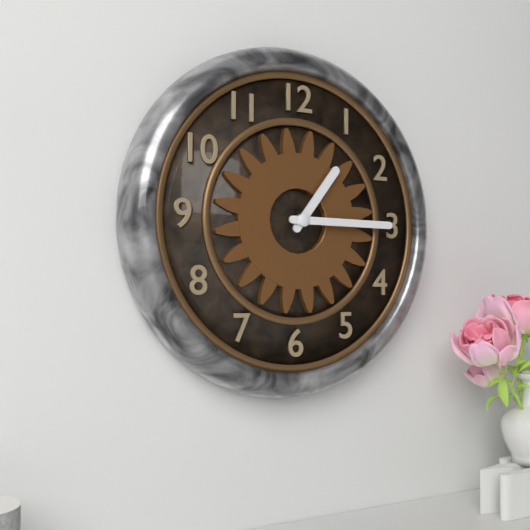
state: 1:15
